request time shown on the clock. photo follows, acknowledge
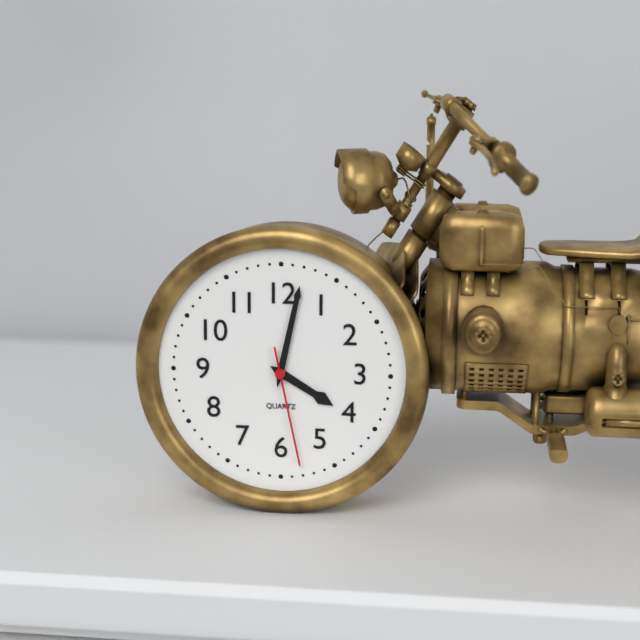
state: 4:02:28
